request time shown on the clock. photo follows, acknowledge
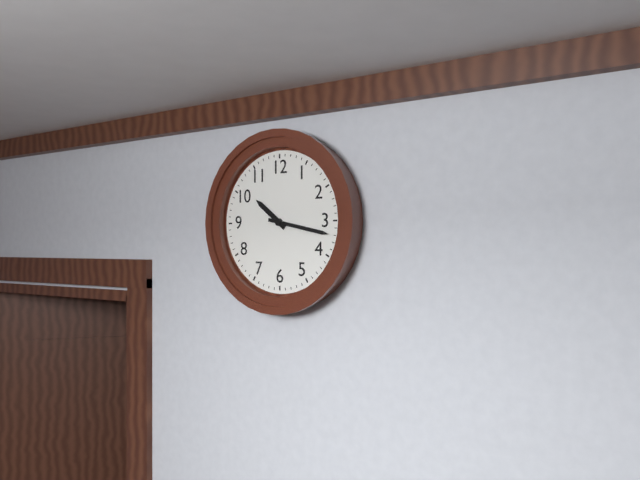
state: 10:17
